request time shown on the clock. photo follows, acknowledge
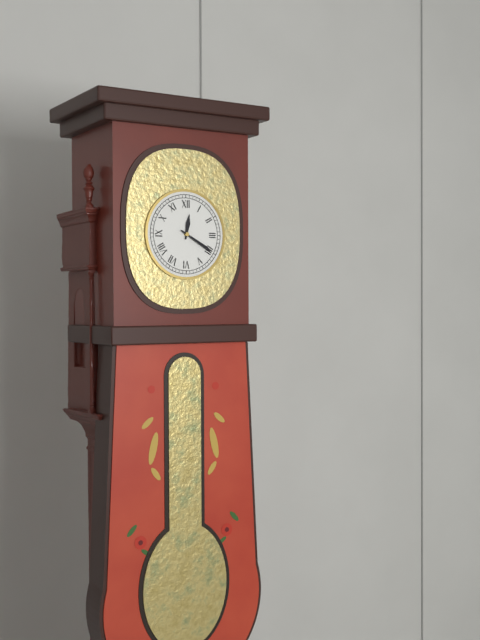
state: 12:20
